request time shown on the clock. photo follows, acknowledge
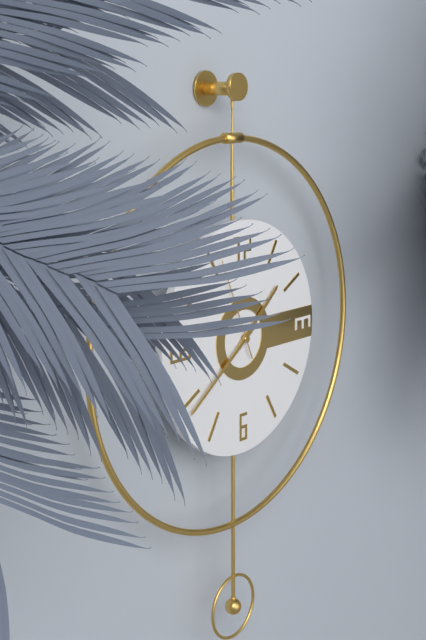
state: 1:39:56
